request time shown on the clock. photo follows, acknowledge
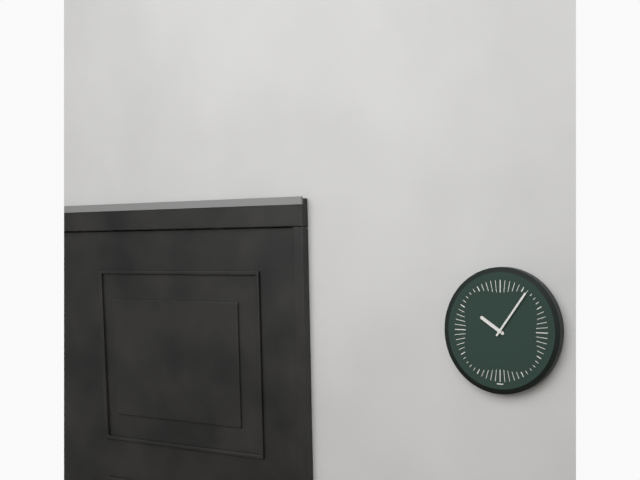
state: 10:06
